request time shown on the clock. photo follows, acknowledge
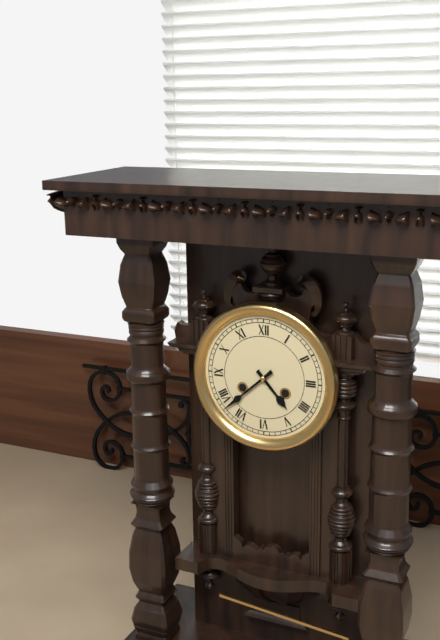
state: 4:38
